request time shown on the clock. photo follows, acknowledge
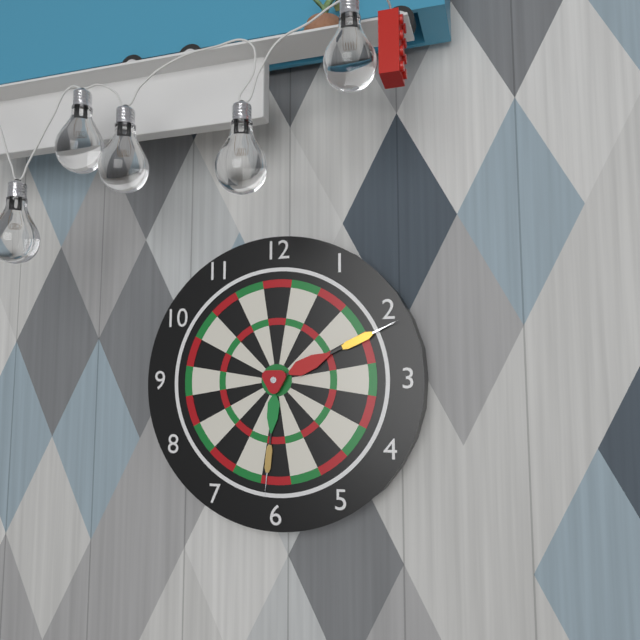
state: 6:11
